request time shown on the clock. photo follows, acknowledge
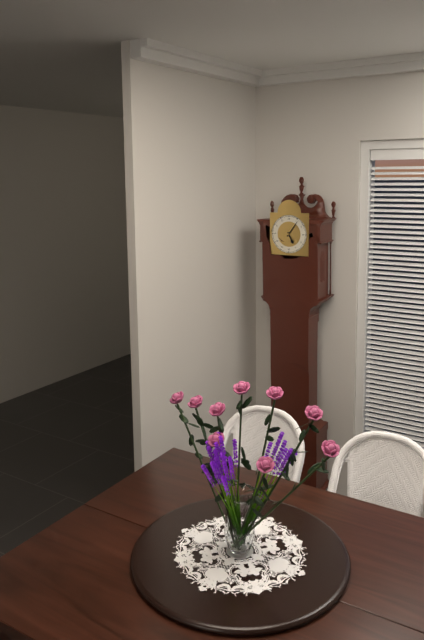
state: 5:06
